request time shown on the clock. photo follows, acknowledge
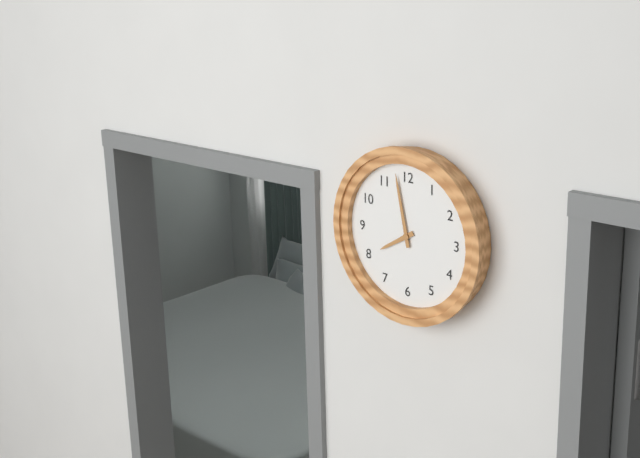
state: 7:58
